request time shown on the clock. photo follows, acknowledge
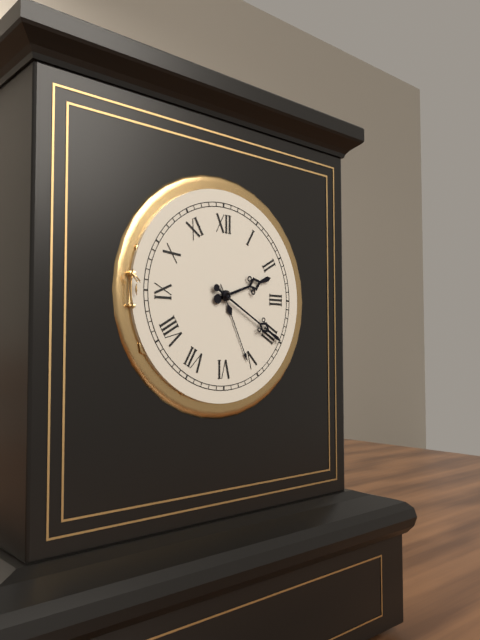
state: 2:20
